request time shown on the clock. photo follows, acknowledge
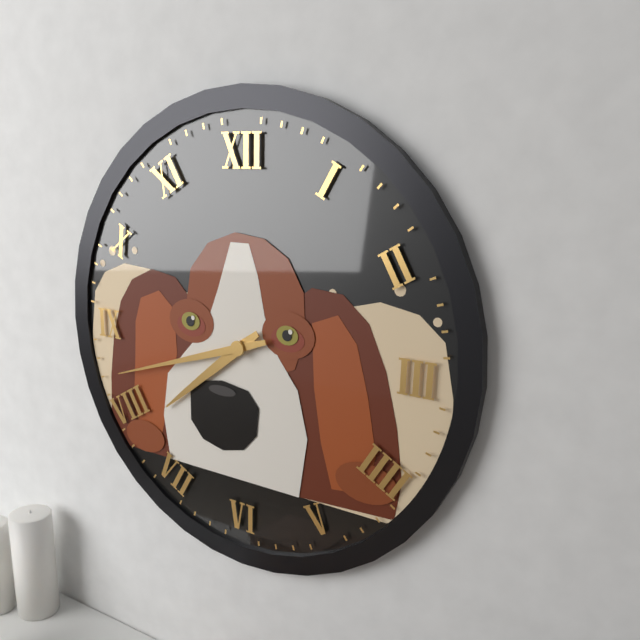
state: 7:42
